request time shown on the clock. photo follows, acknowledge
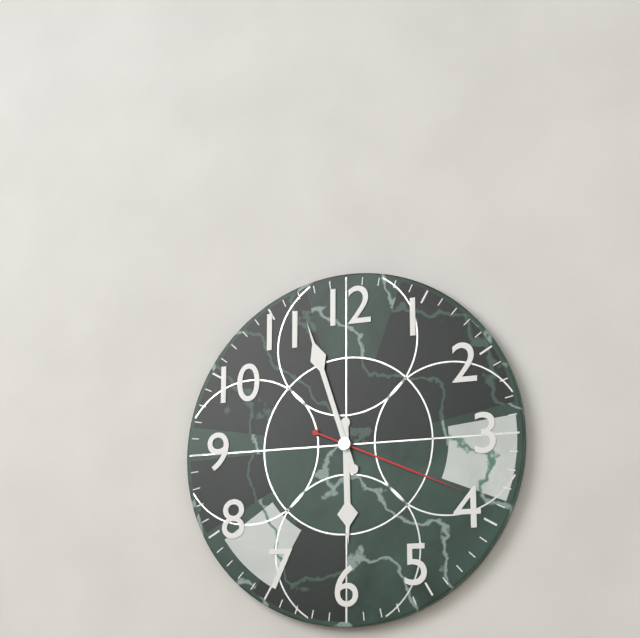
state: 5:57:19
